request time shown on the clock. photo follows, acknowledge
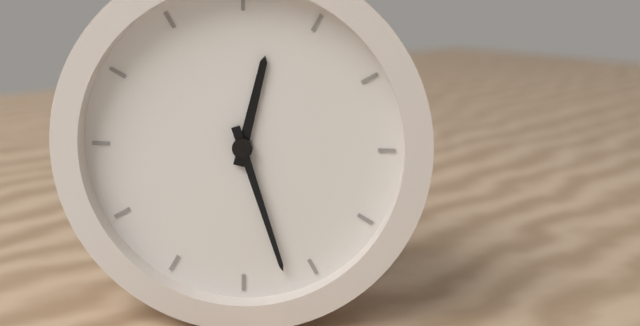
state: 12:27
